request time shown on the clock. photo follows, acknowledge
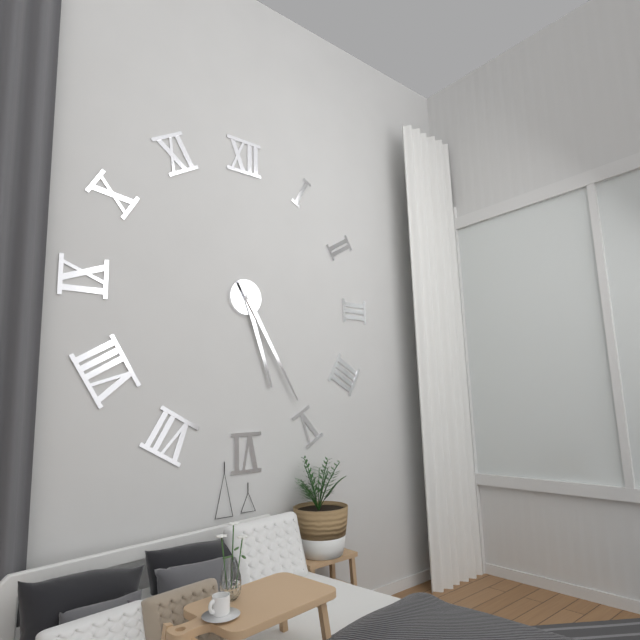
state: 5:25
